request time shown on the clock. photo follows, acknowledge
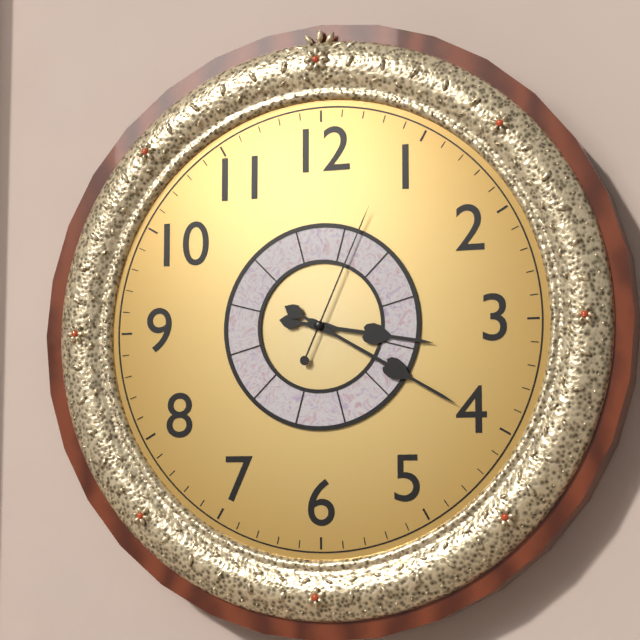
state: 3:20:04
